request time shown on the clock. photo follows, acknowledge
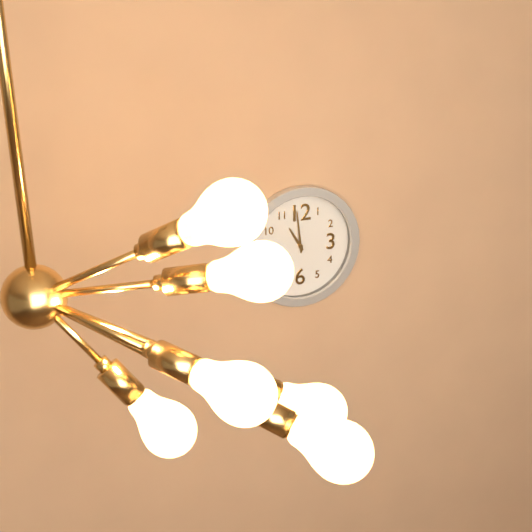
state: 10:59
